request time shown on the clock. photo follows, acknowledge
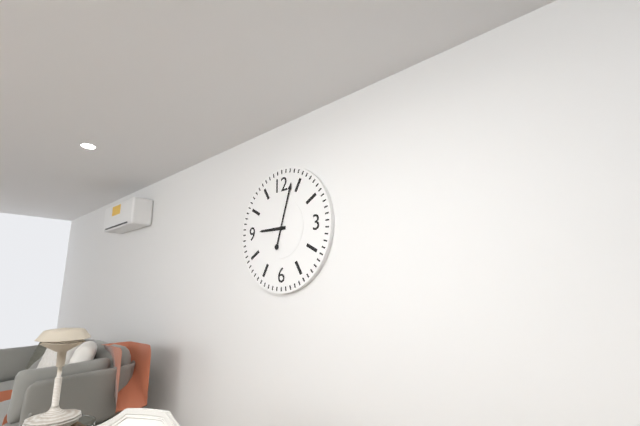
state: 9:03
